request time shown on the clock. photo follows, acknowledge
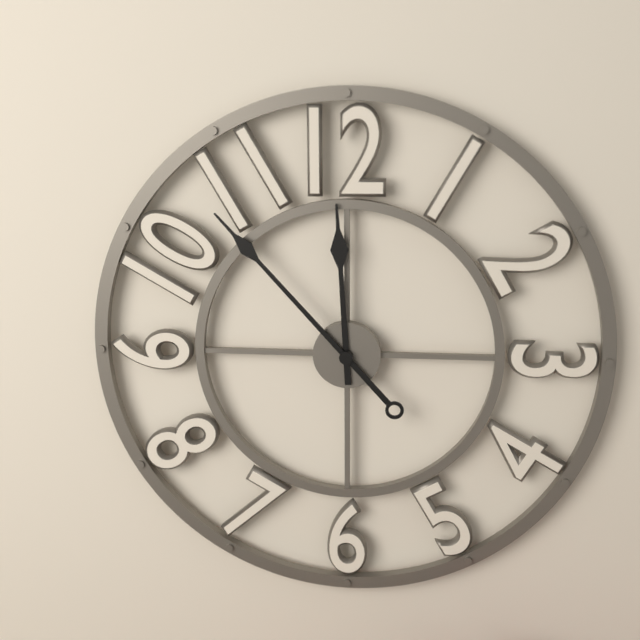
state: 11:53
